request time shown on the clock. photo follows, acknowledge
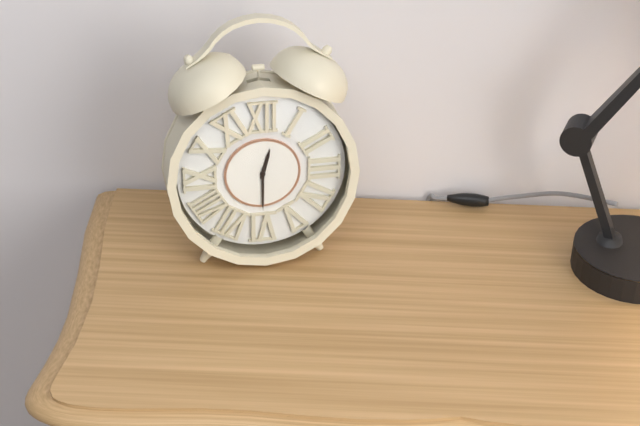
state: 12:30
